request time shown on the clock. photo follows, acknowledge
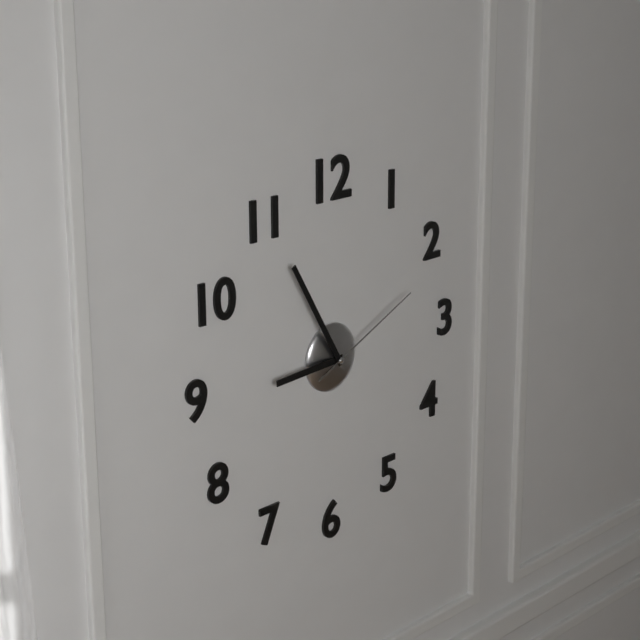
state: 8:55:11
